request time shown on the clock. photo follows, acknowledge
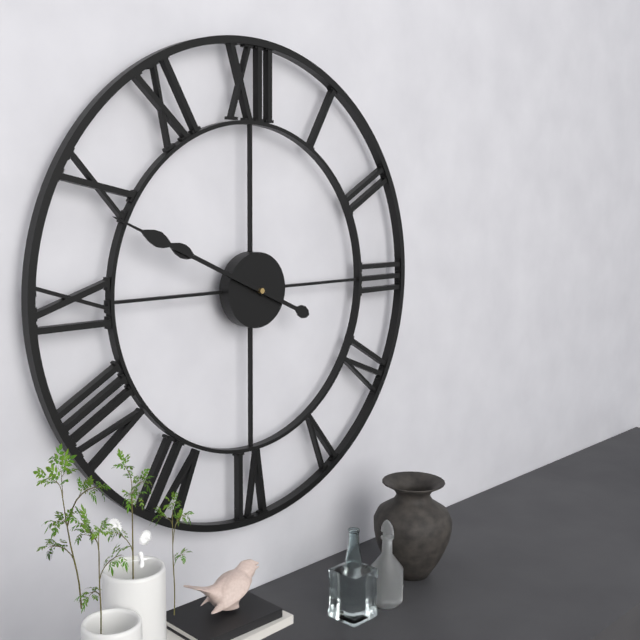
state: 9:49
